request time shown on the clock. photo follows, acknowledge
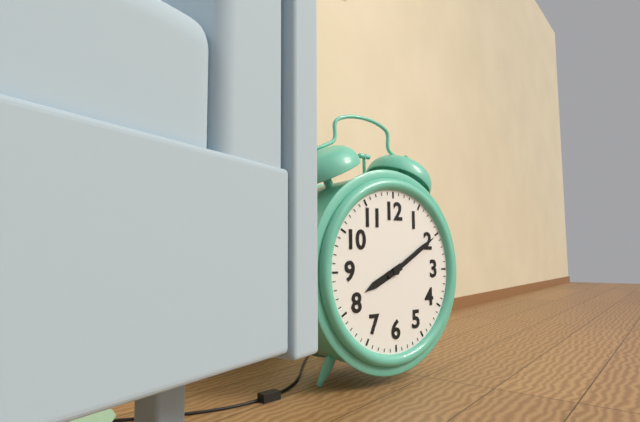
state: 8:10
